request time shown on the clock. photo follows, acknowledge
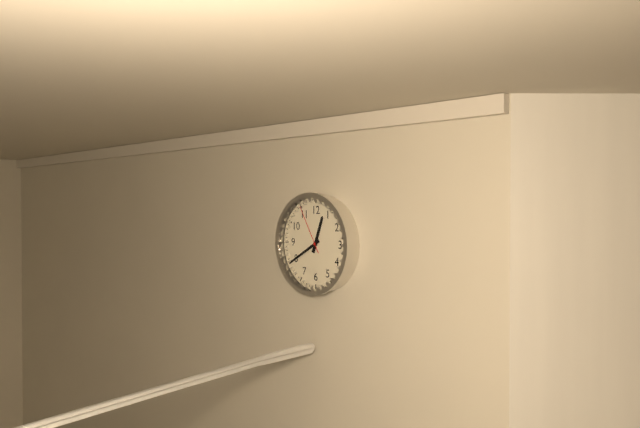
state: 12:40:55
